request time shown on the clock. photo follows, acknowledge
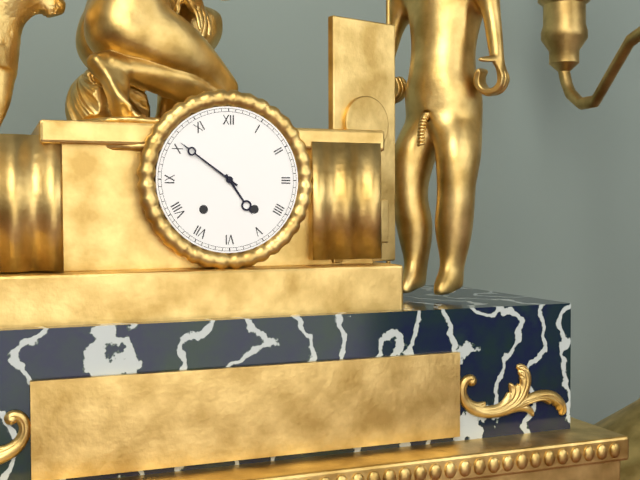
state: 4:51
